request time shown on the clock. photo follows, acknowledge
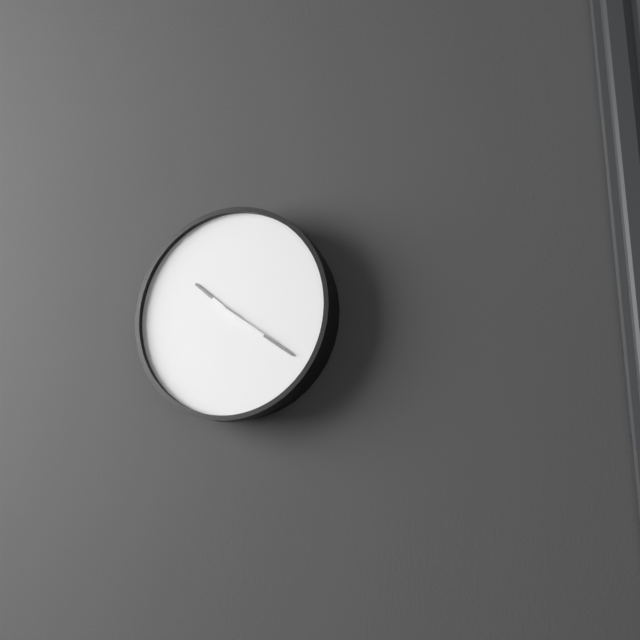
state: 10:21
